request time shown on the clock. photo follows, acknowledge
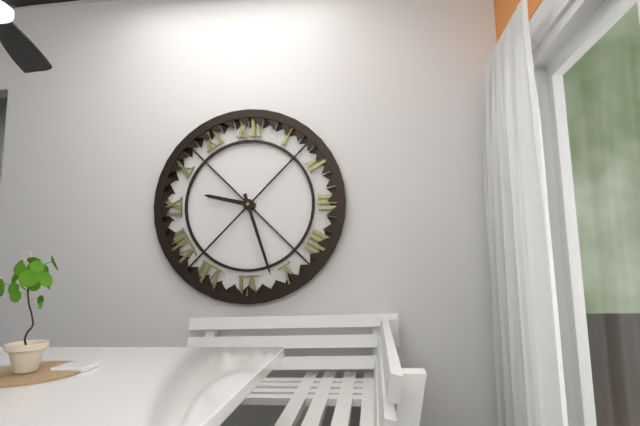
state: 9:27
